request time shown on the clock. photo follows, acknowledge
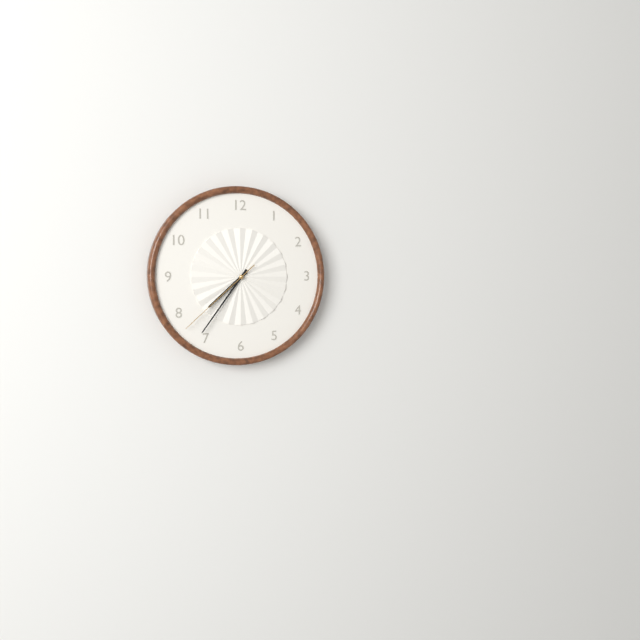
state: 7:36:38
